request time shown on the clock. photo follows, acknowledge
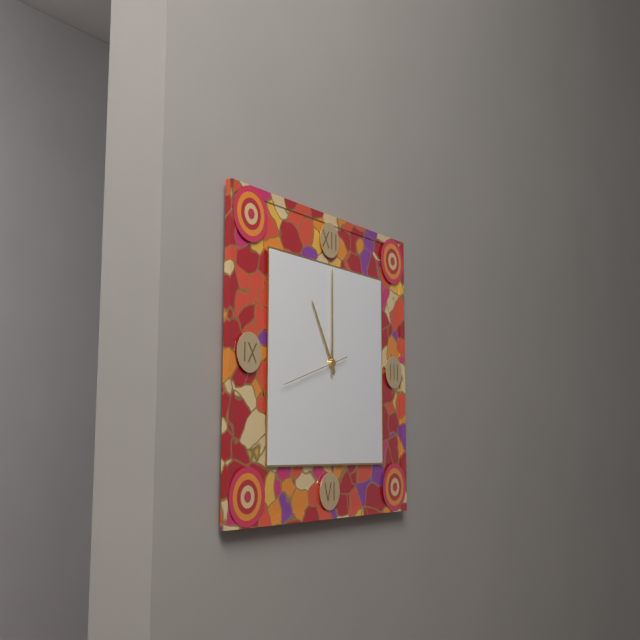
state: 11:00:42
